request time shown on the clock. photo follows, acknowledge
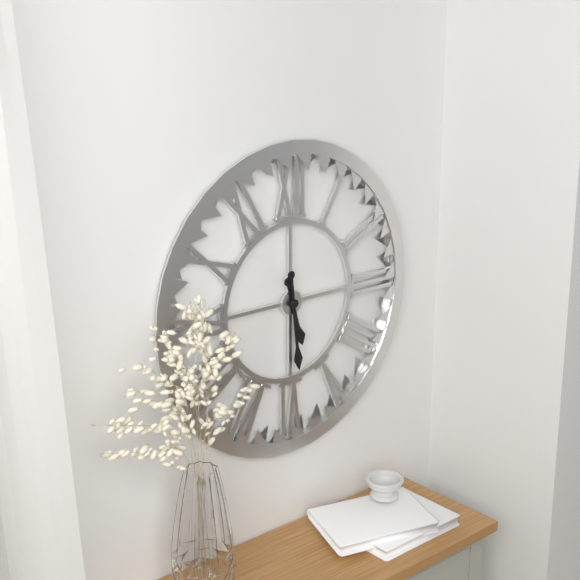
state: 5:29
